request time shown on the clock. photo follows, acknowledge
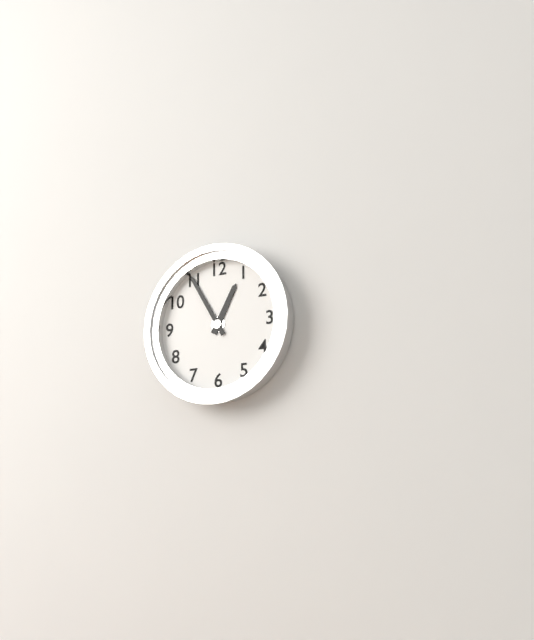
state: 12:55
